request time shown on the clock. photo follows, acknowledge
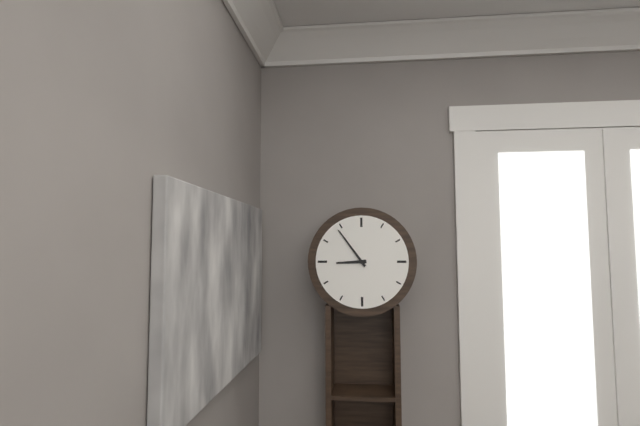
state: 8:54
